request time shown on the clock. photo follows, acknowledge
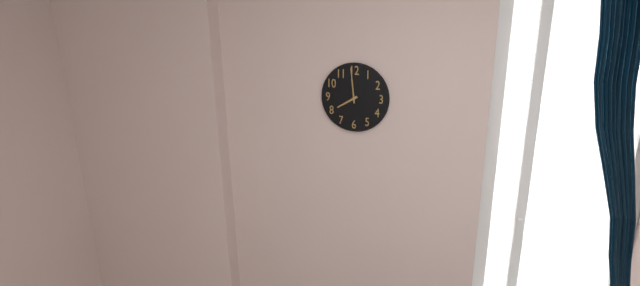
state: 7:59
